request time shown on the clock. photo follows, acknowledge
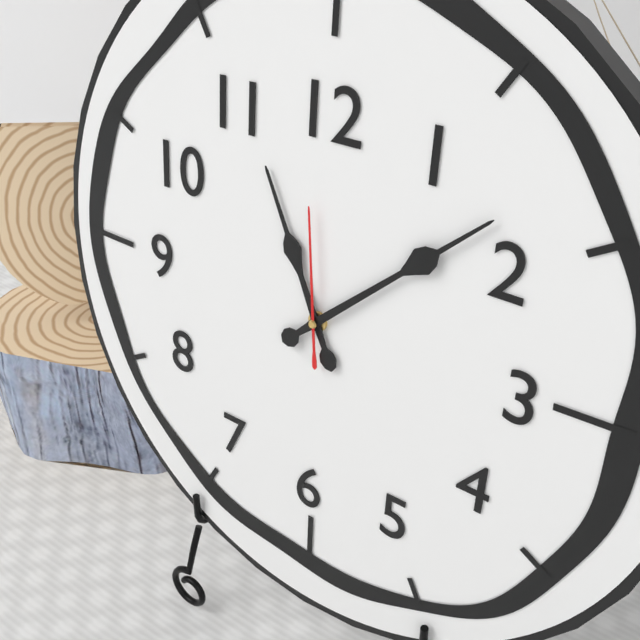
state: 11:08:59
